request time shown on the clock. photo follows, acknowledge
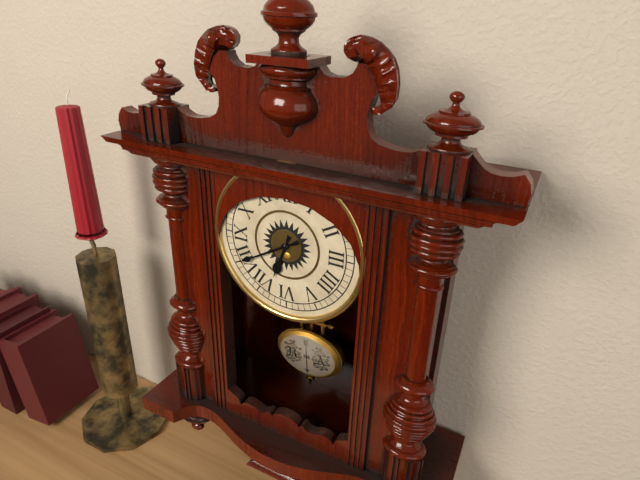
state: 6:40
